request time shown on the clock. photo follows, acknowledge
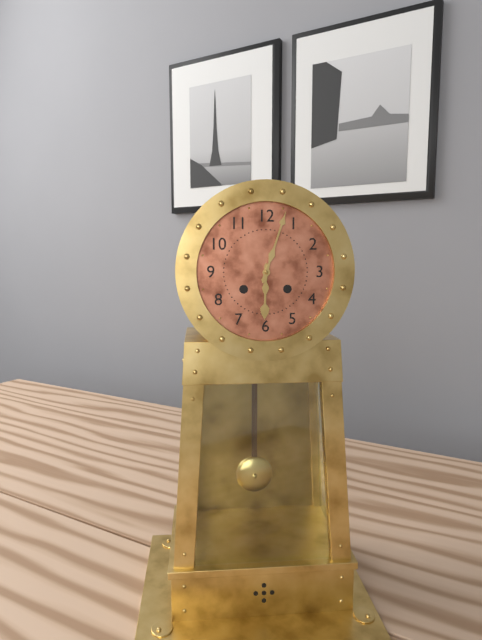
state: 6:03
